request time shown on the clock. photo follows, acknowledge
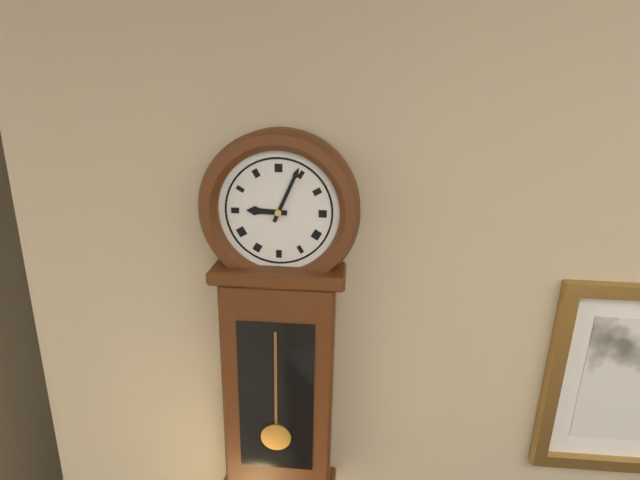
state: 9:04
